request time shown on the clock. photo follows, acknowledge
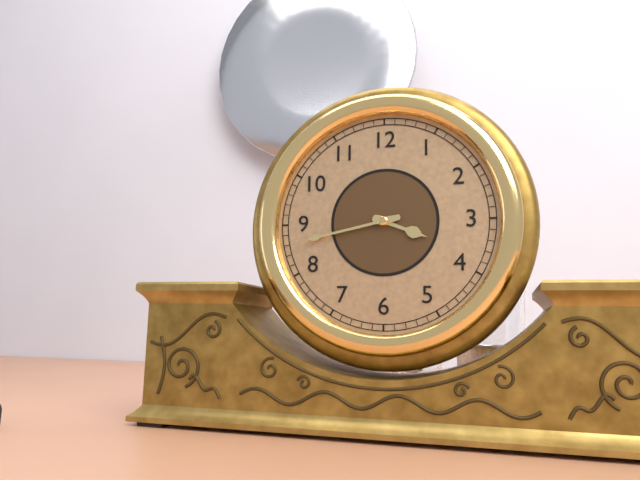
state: 3:43
